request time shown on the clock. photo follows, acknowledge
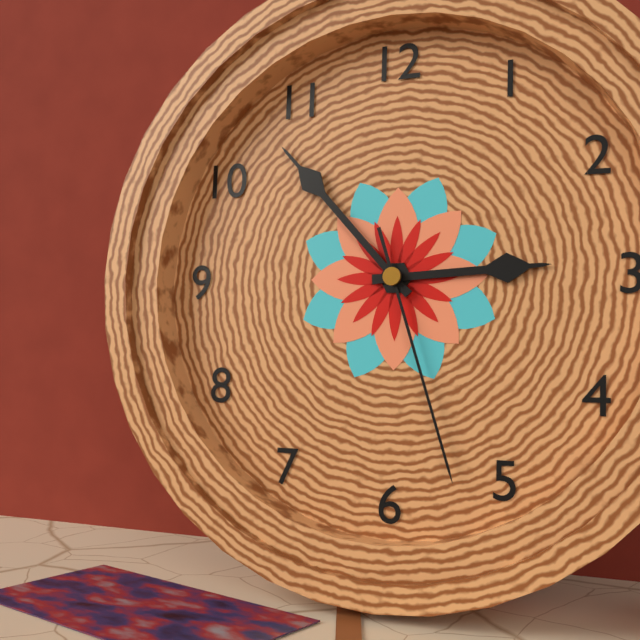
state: 2:53:27
